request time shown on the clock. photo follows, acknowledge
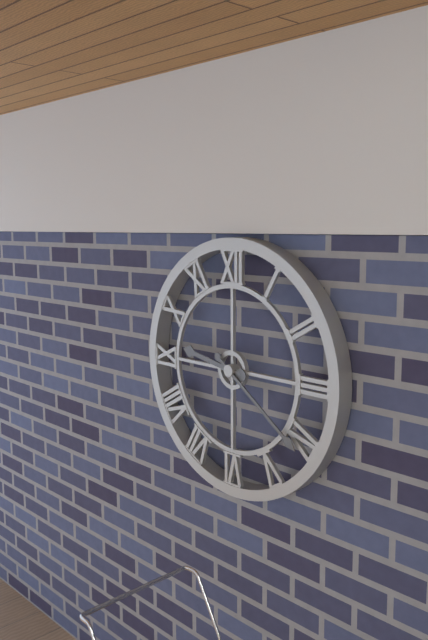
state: 9:21
